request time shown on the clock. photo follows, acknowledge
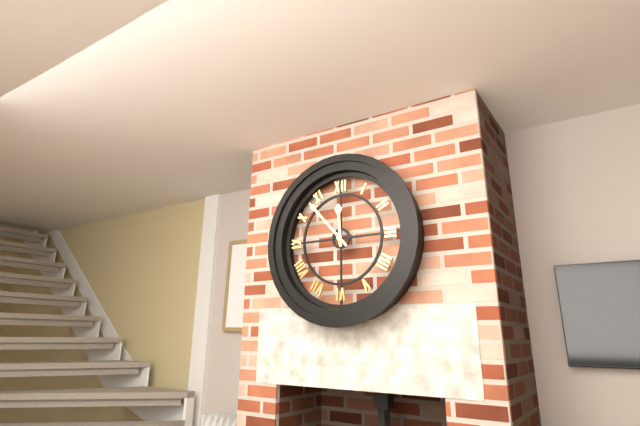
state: 11:53
